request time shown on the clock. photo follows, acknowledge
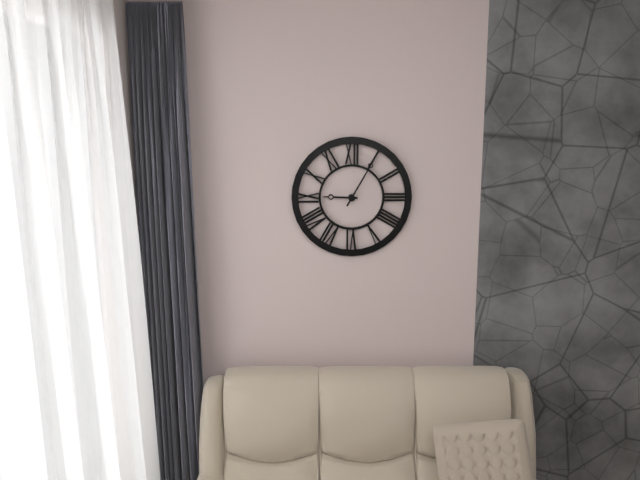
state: 9:05
